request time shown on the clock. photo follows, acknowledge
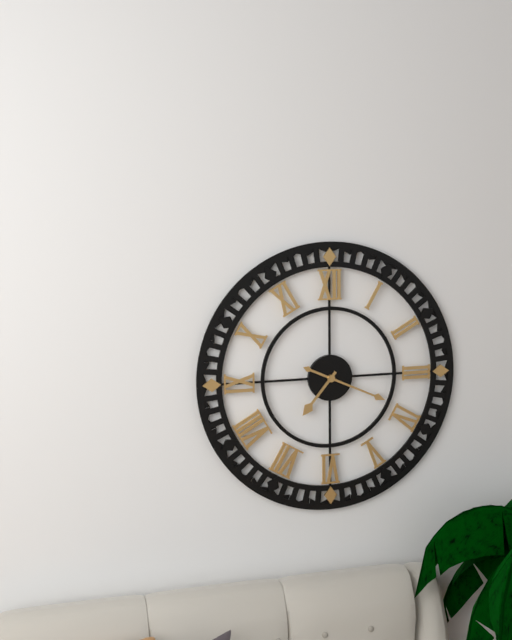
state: 7:19
